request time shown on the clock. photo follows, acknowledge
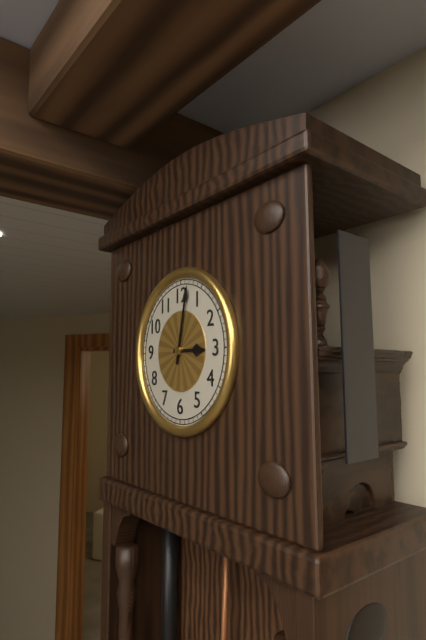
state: 3:02
